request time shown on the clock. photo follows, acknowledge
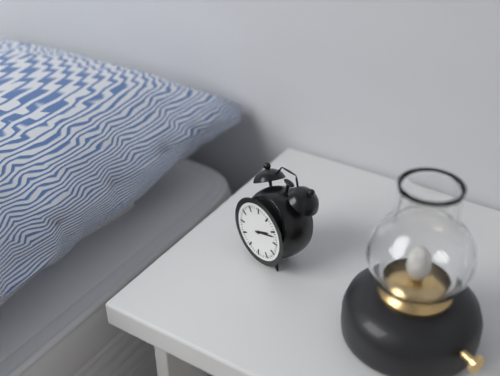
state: 2:12
